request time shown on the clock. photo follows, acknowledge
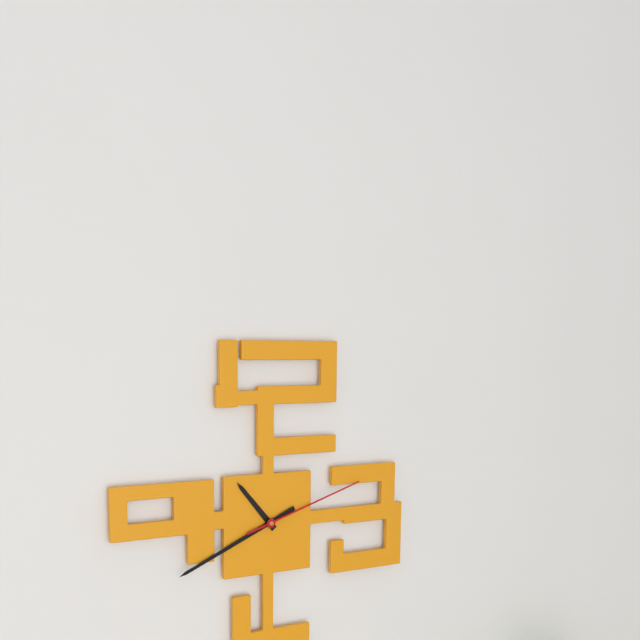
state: 10:41:12
